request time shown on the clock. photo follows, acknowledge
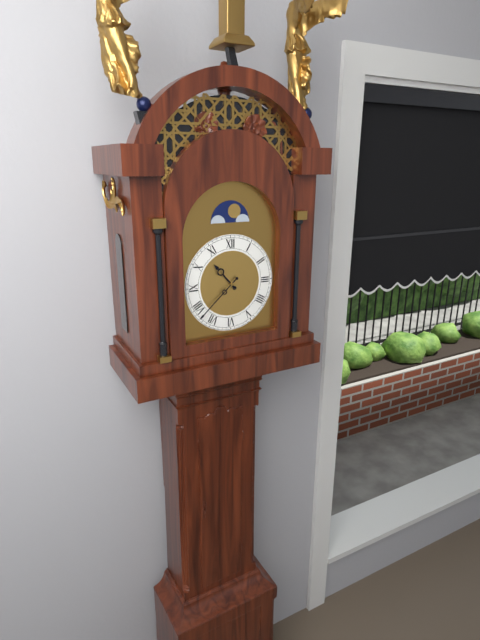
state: 10:38
